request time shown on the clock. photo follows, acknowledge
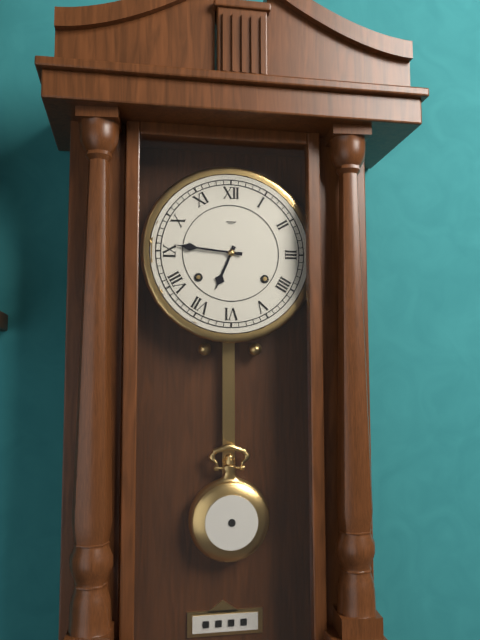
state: 6:46
